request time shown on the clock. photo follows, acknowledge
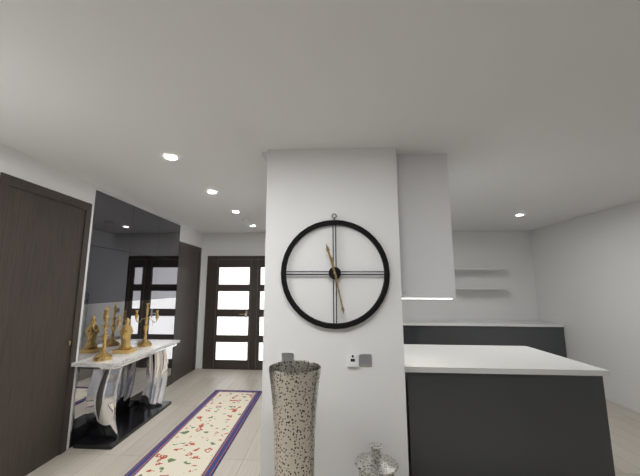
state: 11:28
